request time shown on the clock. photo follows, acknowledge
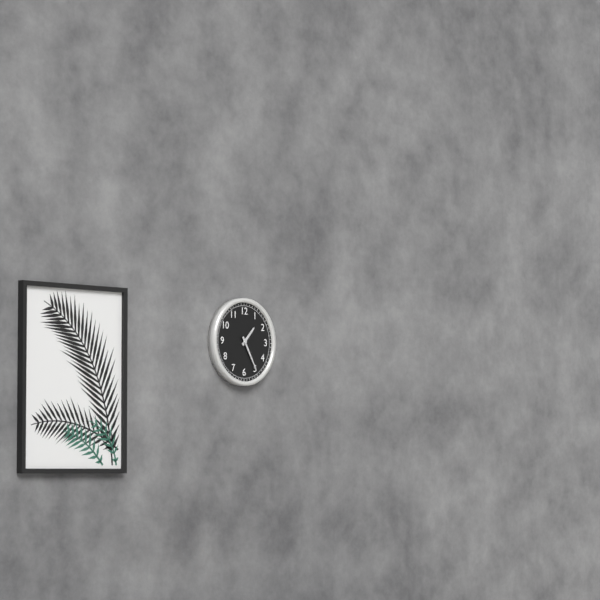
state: 1:25
